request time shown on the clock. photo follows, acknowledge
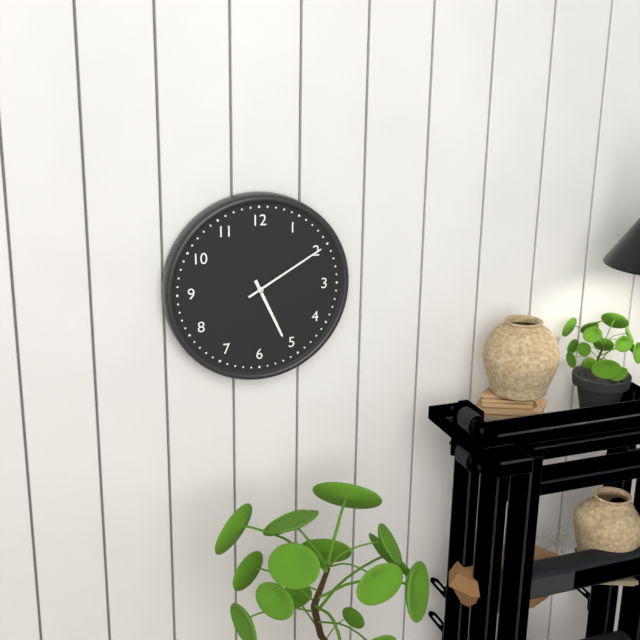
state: 5:10
